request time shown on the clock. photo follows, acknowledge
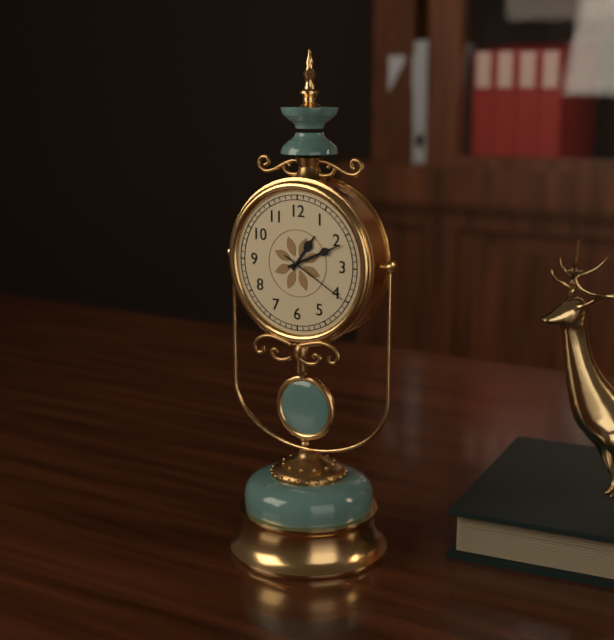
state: 1:11:20
